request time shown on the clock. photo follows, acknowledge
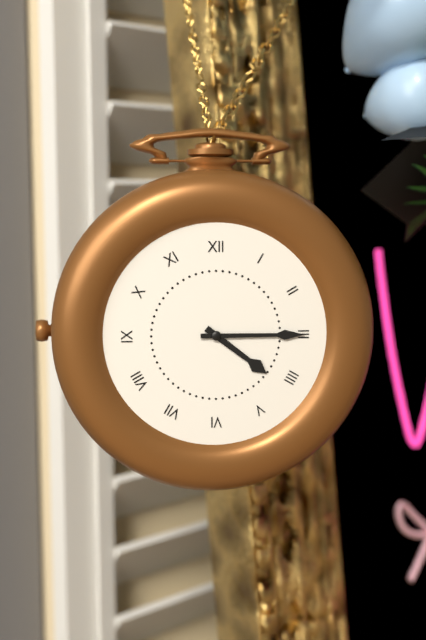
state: 4:15
